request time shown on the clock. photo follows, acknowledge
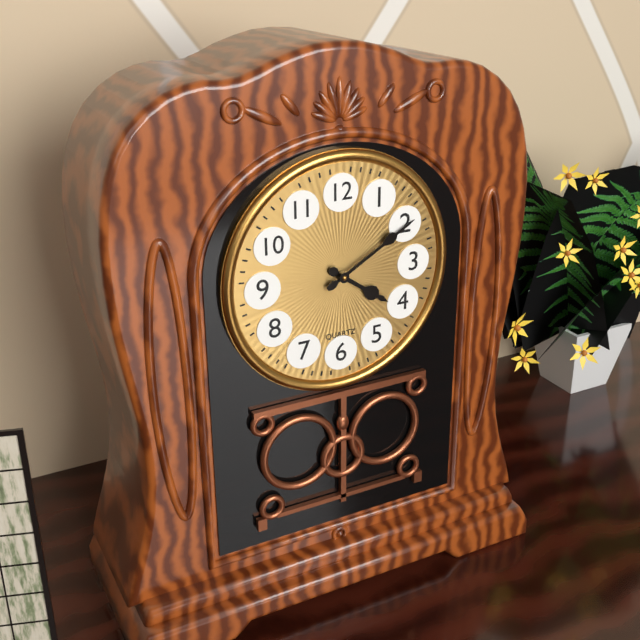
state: 4:10
